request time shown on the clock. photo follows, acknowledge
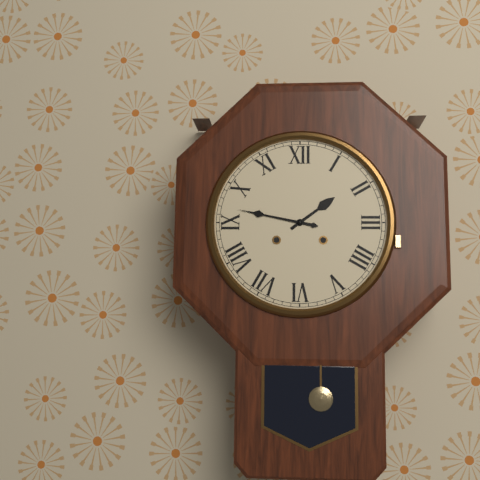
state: 1:47
